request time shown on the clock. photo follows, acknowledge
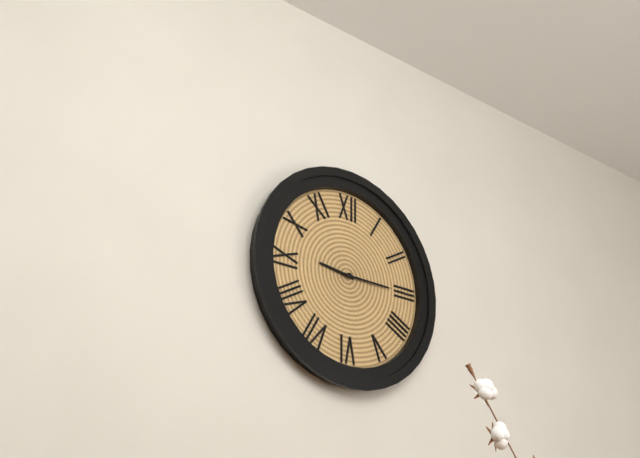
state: 9:15
